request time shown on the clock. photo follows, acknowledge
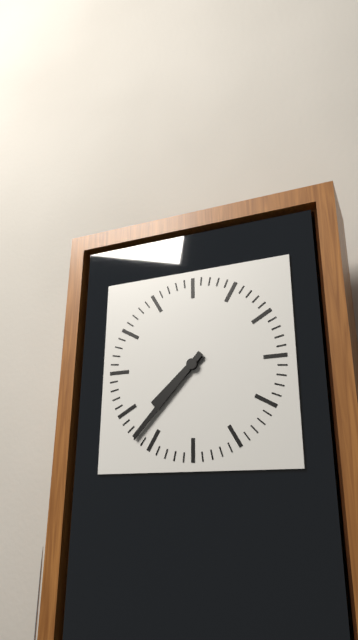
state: 7:37
